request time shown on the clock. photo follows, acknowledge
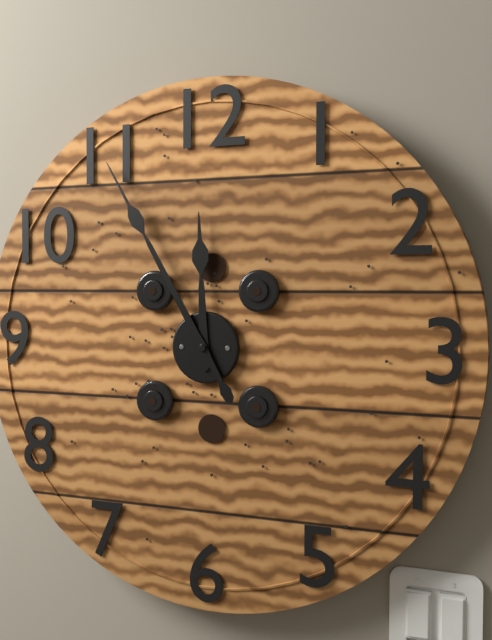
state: 11:55
